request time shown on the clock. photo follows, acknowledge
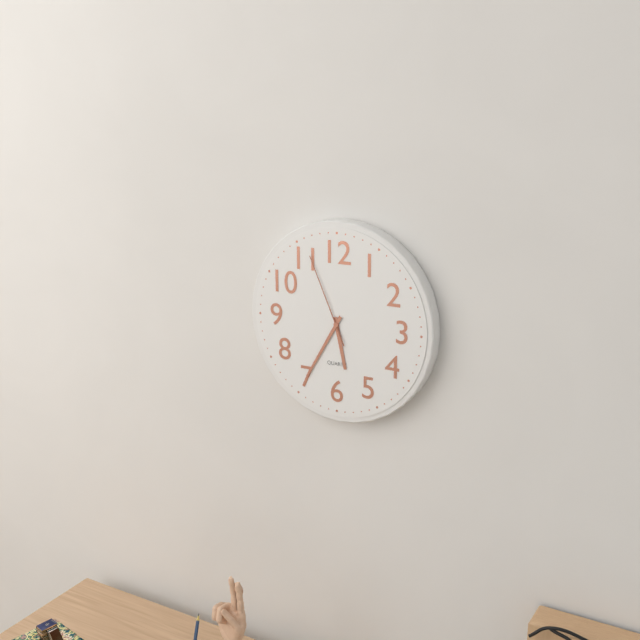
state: 5:35:56
